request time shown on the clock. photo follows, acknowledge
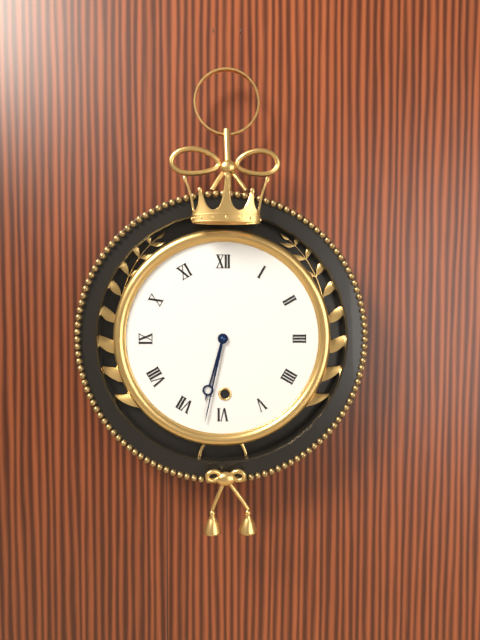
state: 6:32
